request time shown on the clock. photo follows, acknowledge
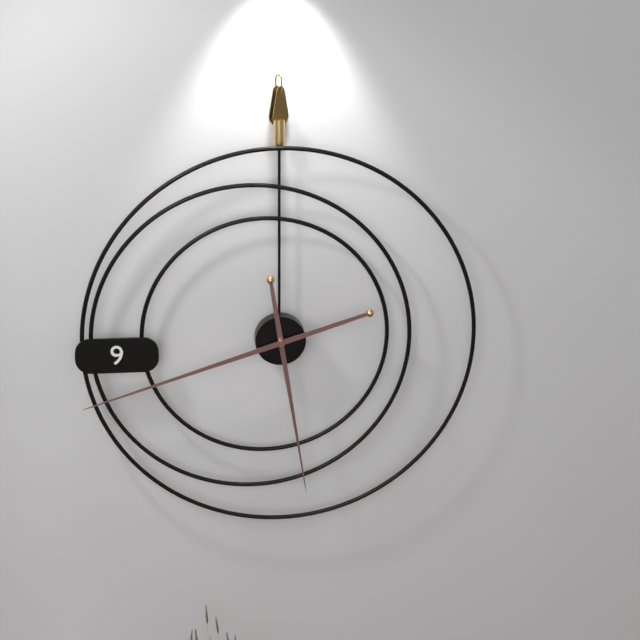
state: 5:42
